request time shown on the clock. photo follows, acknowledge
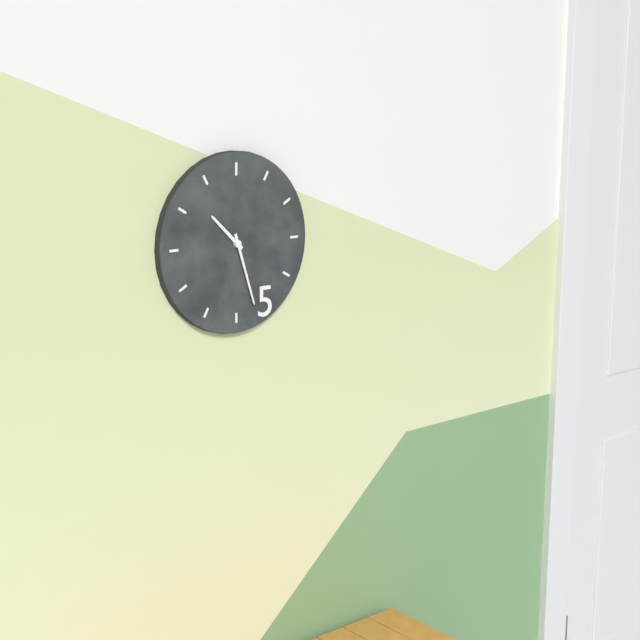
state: 10:27
